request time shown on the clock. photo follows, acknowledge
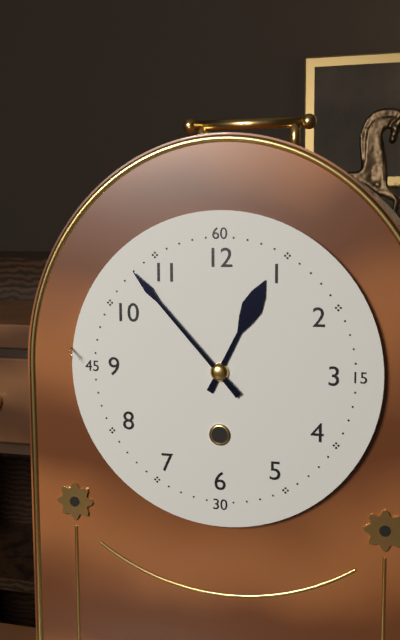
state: 12:53
